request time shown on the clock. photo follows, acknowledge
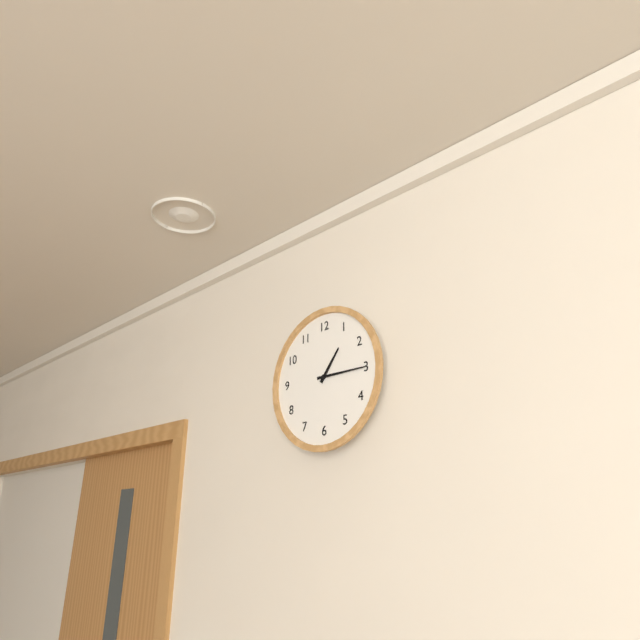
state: 1:15
